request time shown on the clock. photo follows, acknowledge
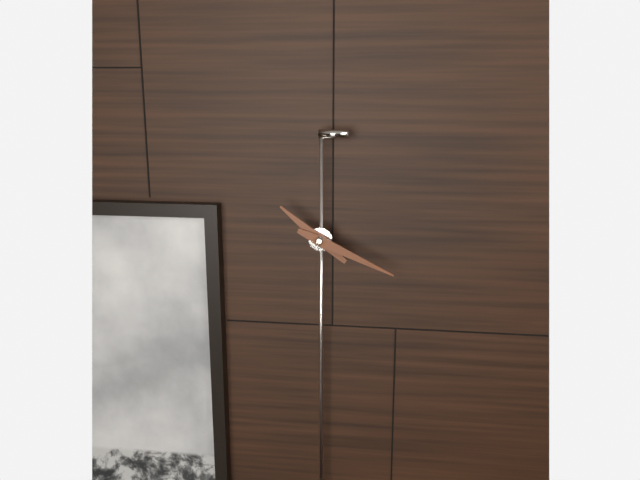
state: 10:19
